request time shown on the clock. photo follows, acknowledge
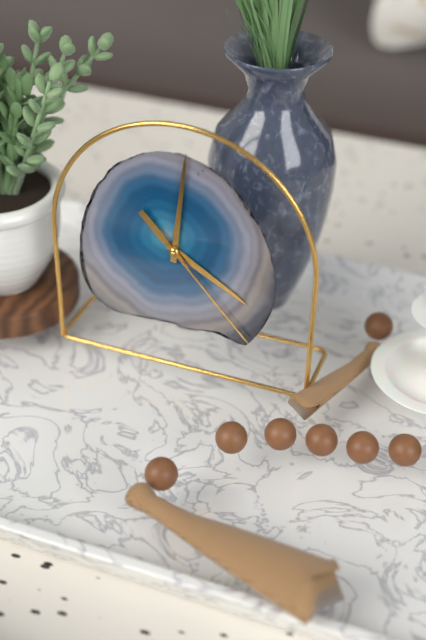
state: 4:01:23
